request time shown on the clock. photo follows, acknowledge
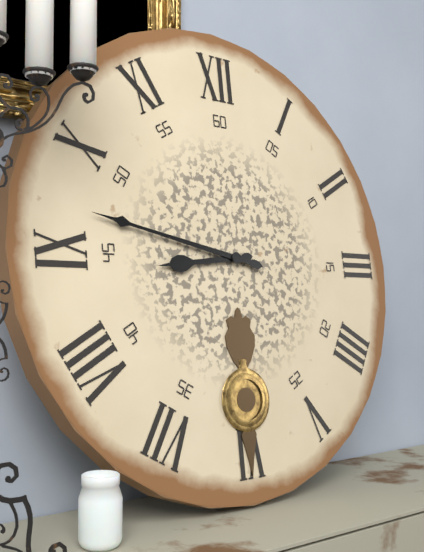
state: 8:47
